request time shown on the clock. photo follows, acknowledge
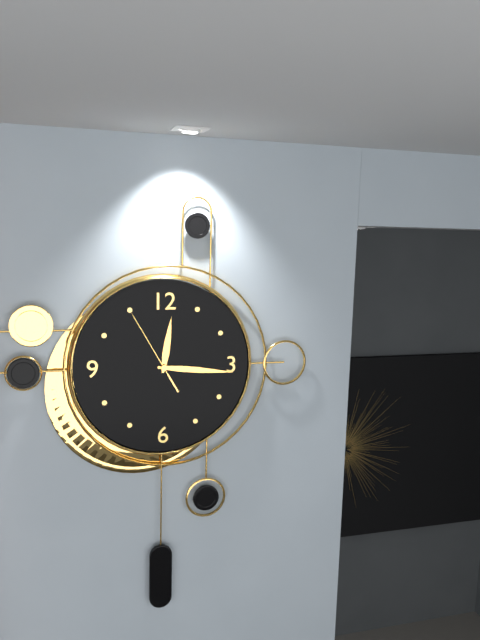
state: 12:16:55
